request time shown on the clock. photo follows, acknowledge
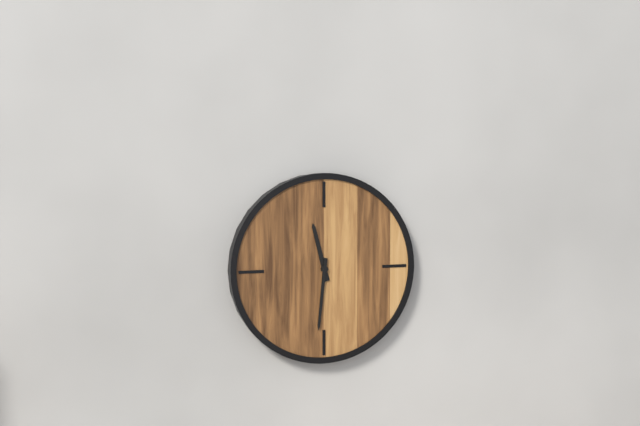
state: 11:31
